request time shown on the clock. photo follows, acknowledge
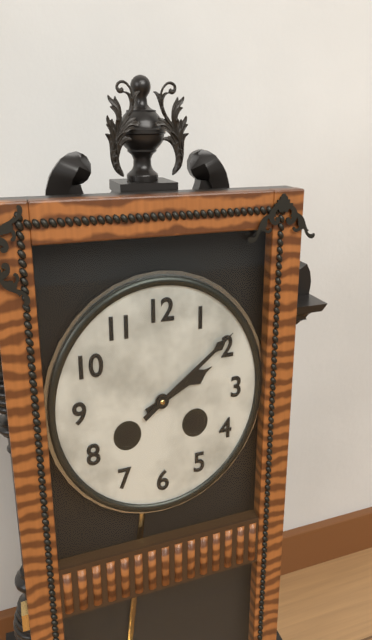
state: 2:09
